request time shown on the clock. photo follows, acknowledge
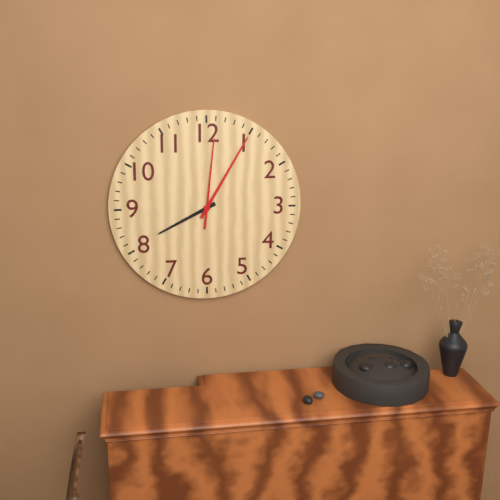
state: 8:05:01
